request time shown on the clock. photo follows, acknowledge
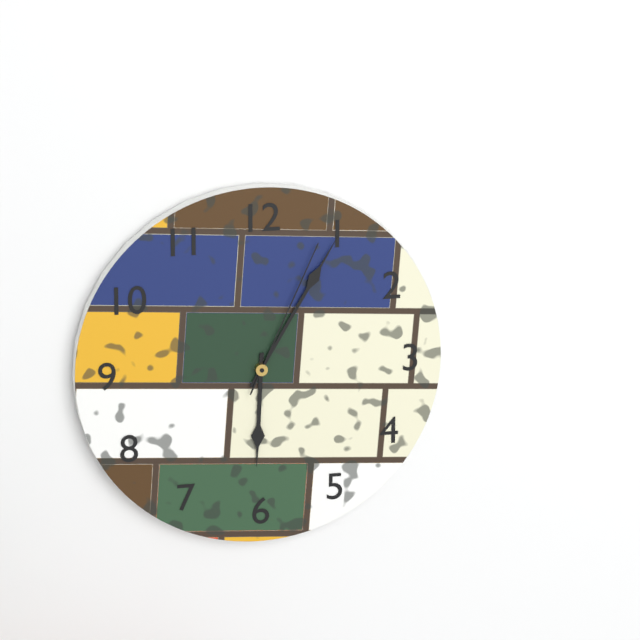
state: 6:05:04
